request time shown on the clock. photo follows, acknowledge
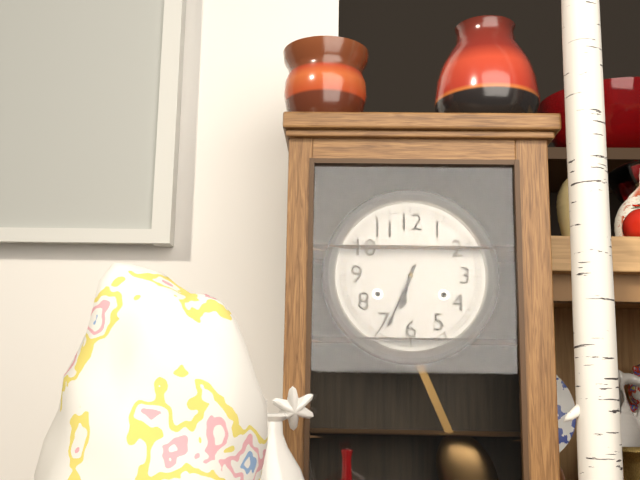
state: 6:34
